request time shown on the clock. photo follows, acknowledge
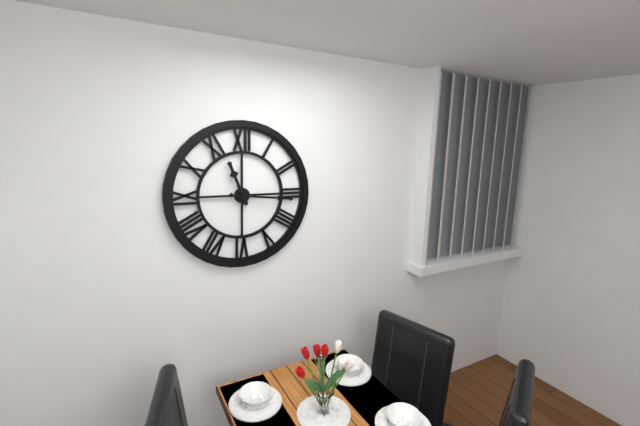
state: 11:16
